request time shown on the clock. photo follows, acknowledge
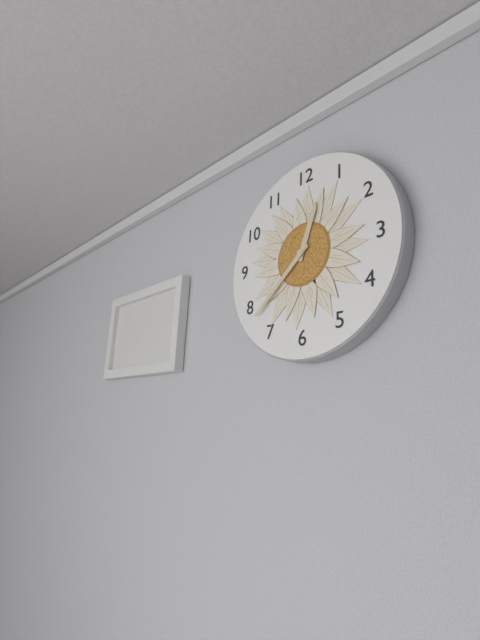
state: 12:38
